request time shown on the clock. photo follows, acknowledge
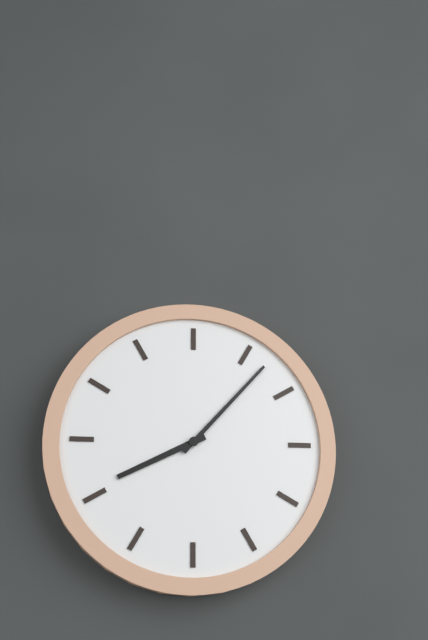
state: 8:07
